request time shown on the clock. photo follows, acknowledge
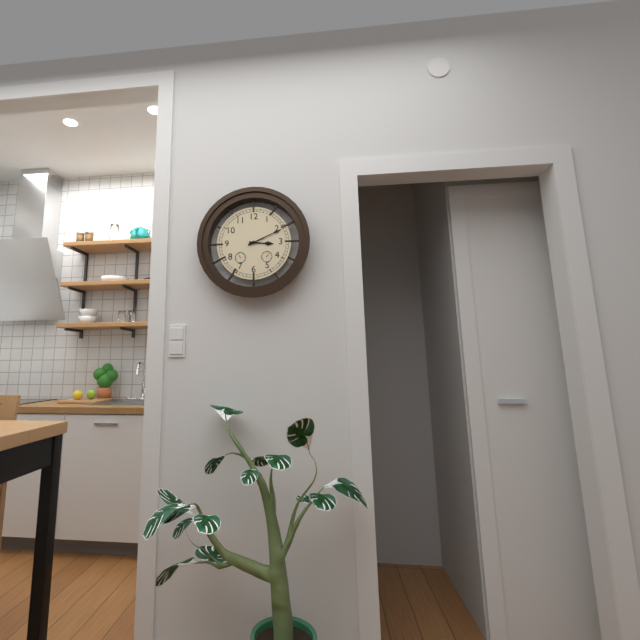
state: 3:11
